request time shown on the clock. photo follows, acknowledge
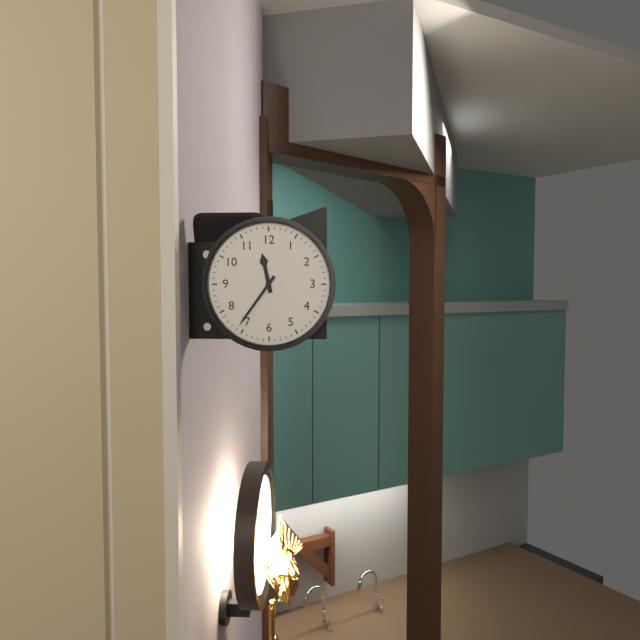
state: 11:36
